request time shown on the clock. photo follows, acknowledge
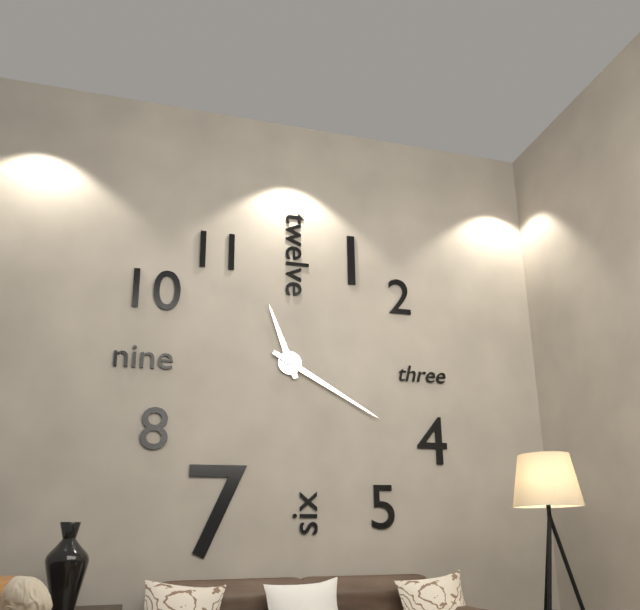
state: 11:20
